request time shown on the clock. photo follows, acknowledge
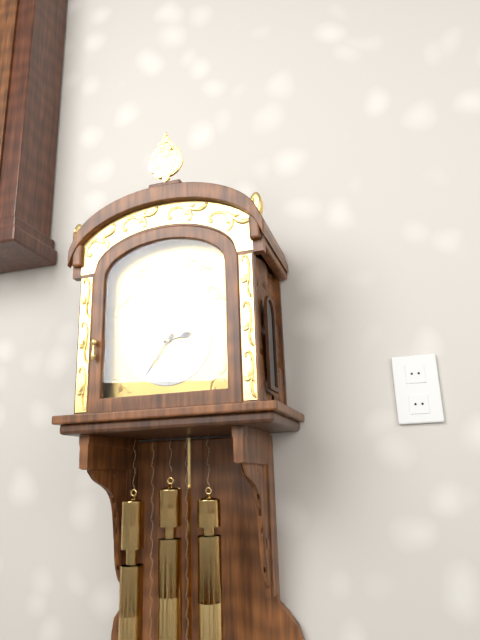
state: 2:36
